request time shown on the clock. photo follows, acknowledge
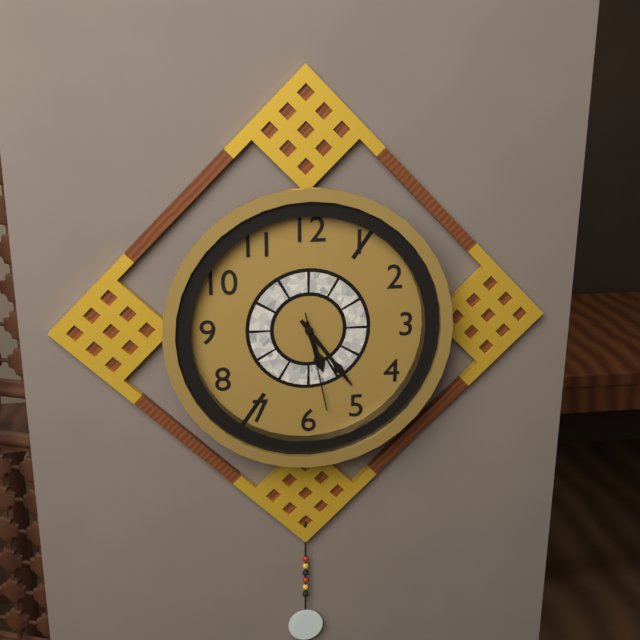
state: 5:24:28
